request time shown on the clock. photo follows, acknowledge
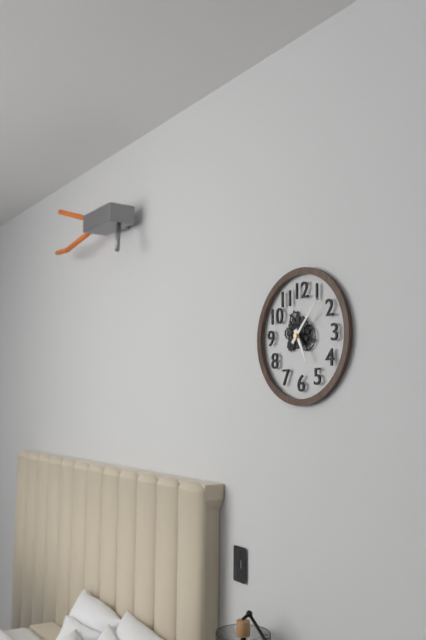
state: 5:07
